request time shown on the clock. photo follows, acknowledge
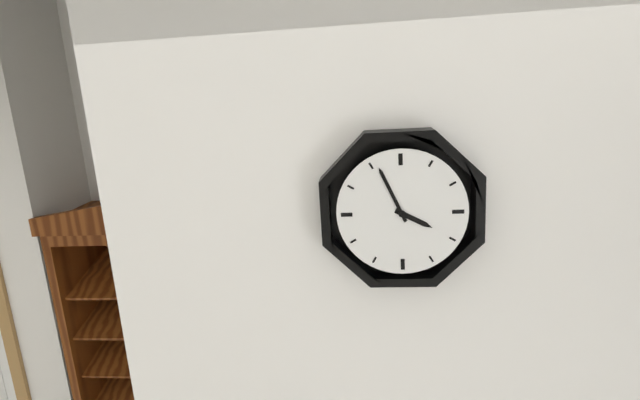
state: 3:56
